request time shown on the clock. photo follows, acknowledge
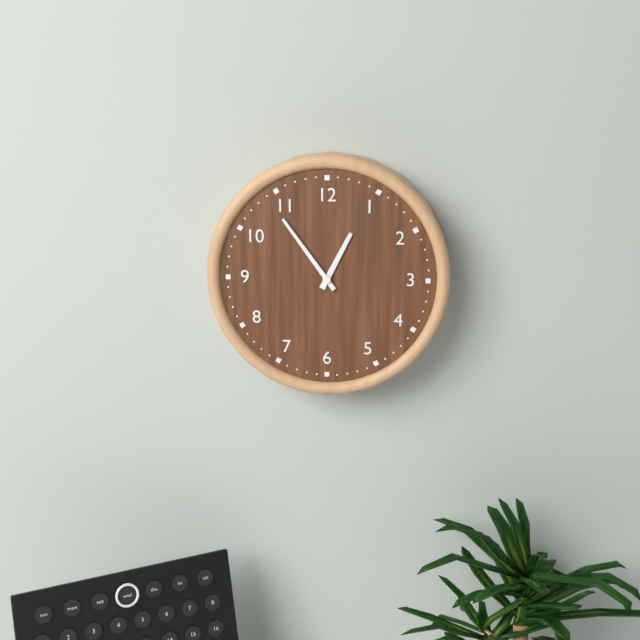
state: 12:54
